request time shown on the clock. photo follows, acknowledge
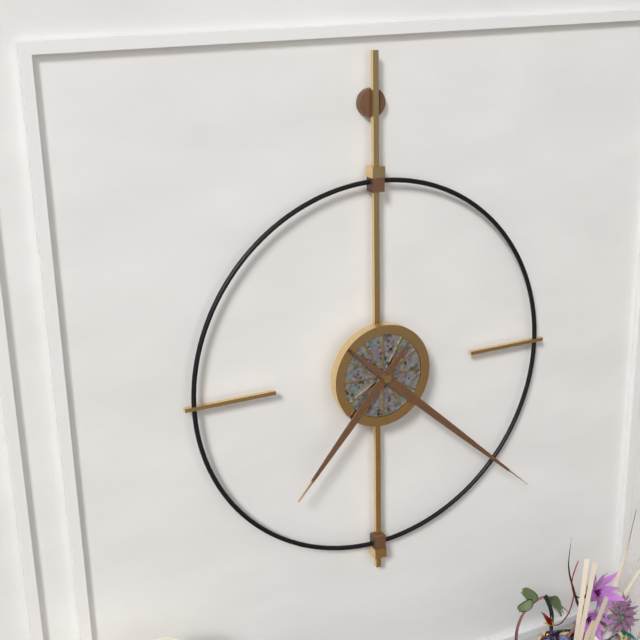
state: 7:22
